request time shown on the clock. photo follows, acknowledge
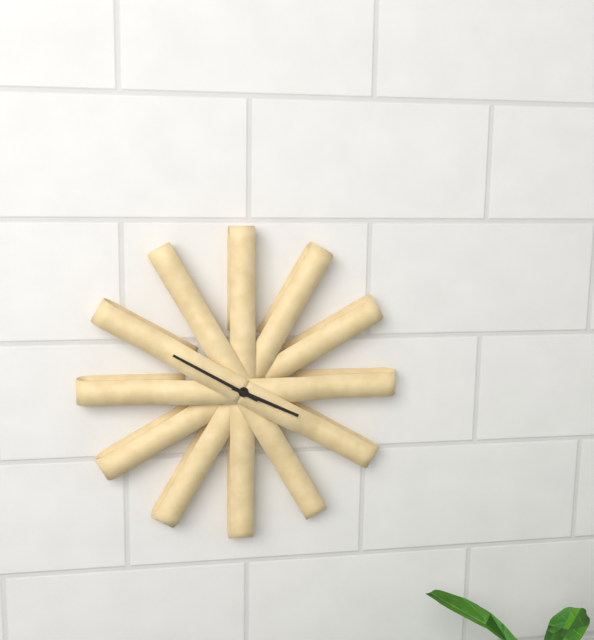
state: 3:50
